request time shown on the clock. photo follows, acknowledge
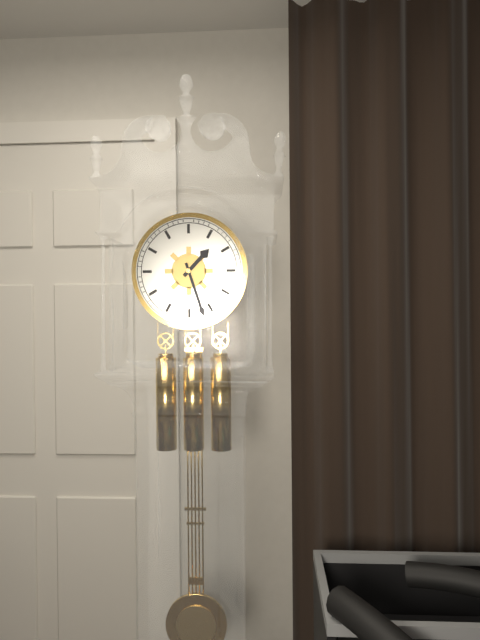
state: 1:27
